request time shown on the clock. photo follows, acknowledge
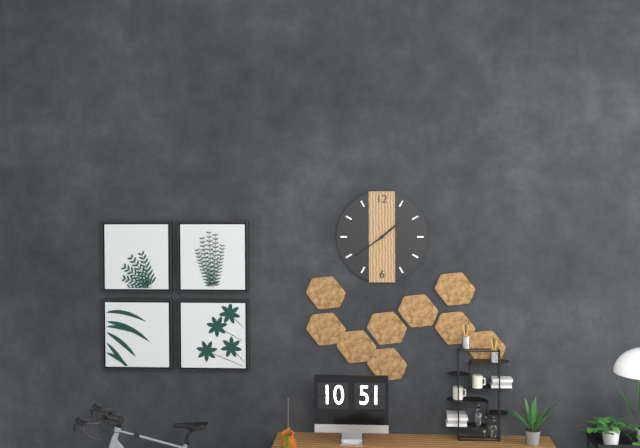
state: 1:39
